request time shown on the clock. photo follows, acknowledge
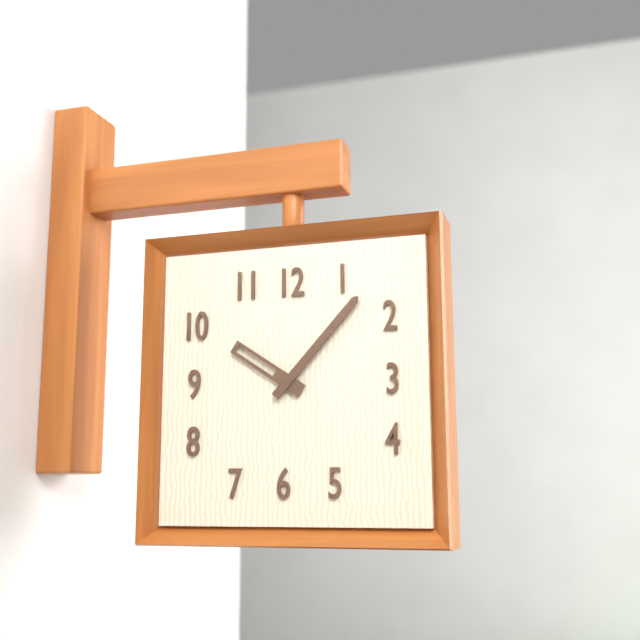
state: 10:07
